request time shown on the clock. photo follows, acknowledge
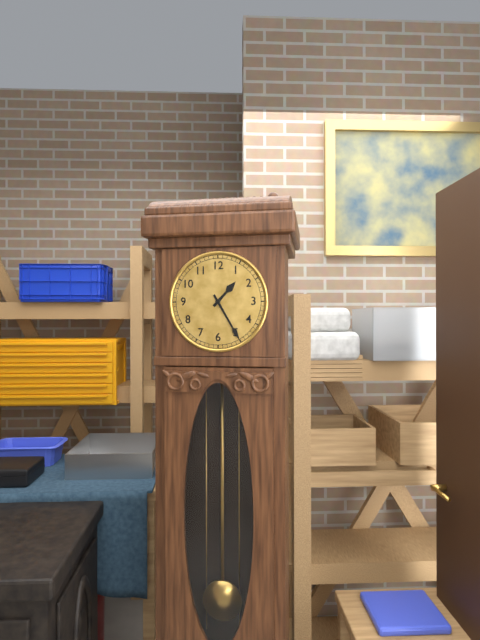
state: 1:25
